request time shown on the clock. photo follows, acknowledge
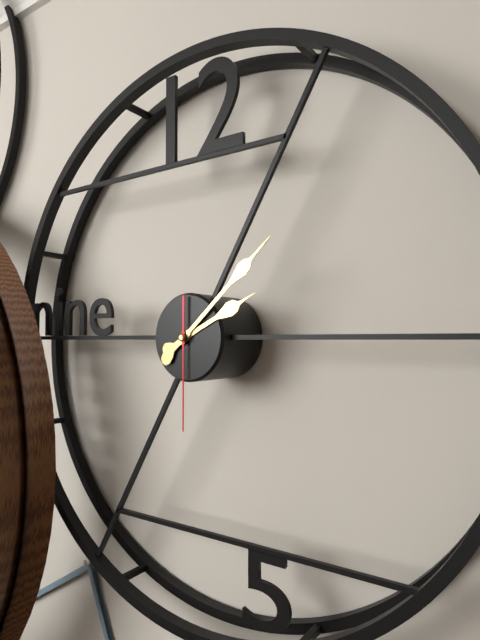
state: 2:08:30
